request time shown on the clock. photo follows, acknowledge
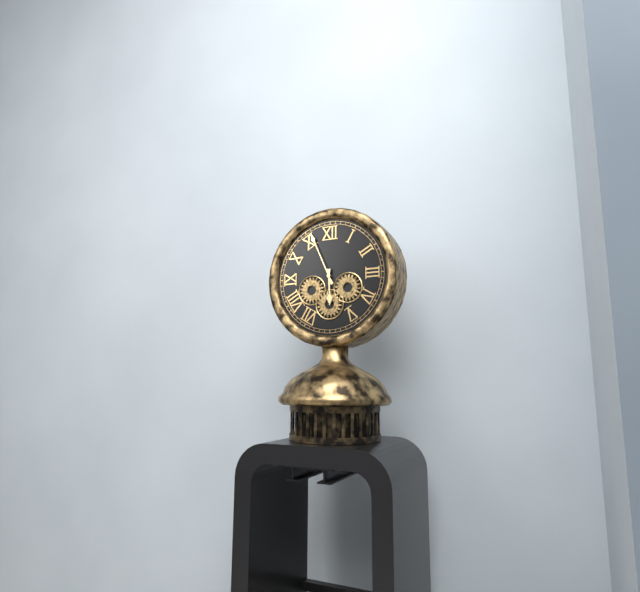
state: 5:56
